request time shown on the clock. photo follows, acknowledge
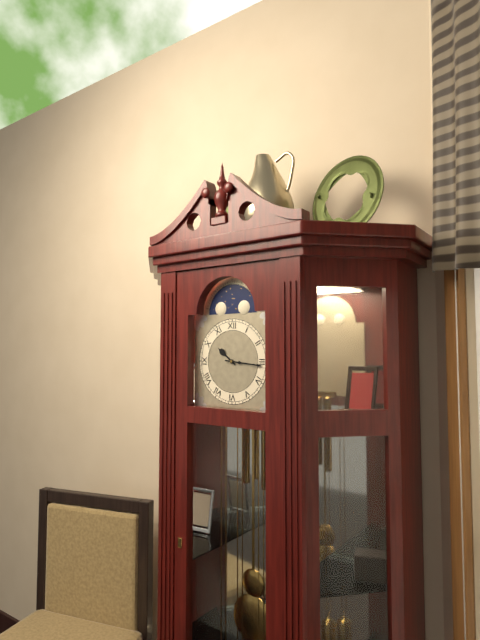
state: 10:16
